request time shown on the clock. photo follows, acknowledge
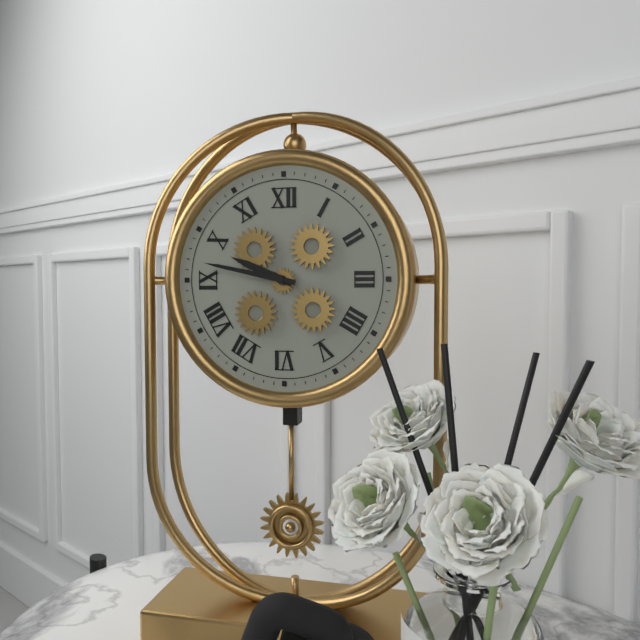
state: 9:47
